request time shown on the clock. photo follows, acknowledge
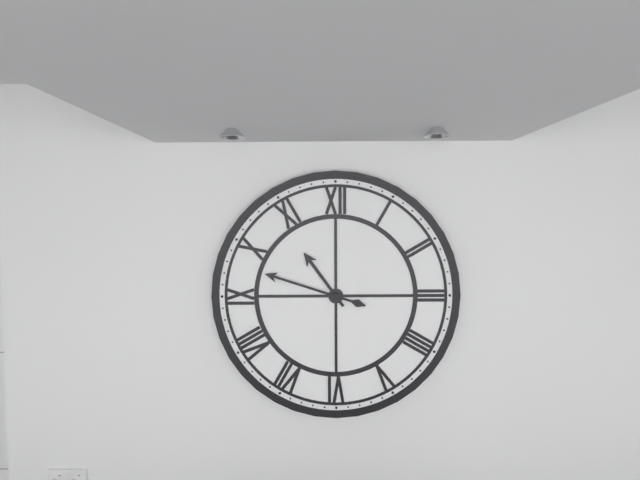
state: 10:48
